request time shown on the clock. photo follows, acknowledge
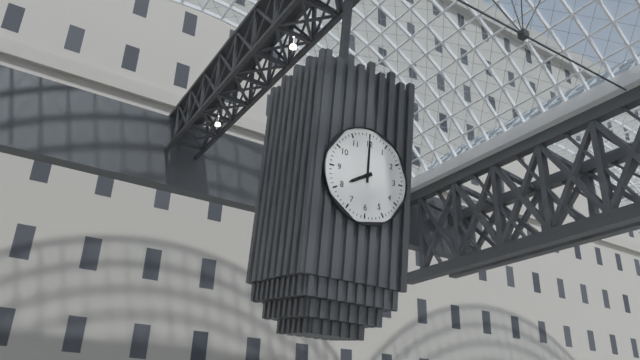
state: 8:00
